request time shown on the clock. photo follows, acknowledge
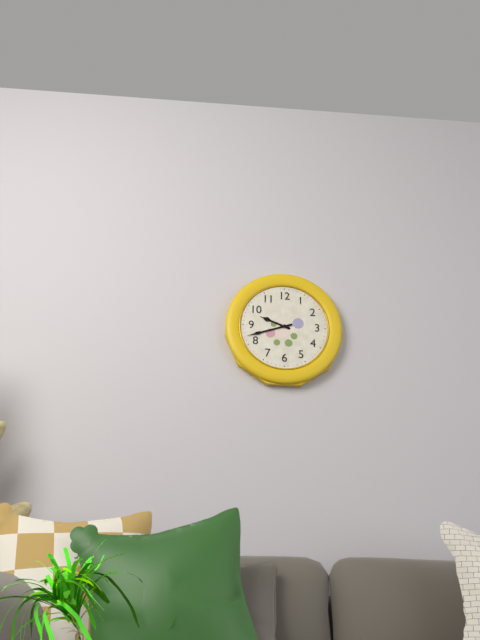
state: 9:42
